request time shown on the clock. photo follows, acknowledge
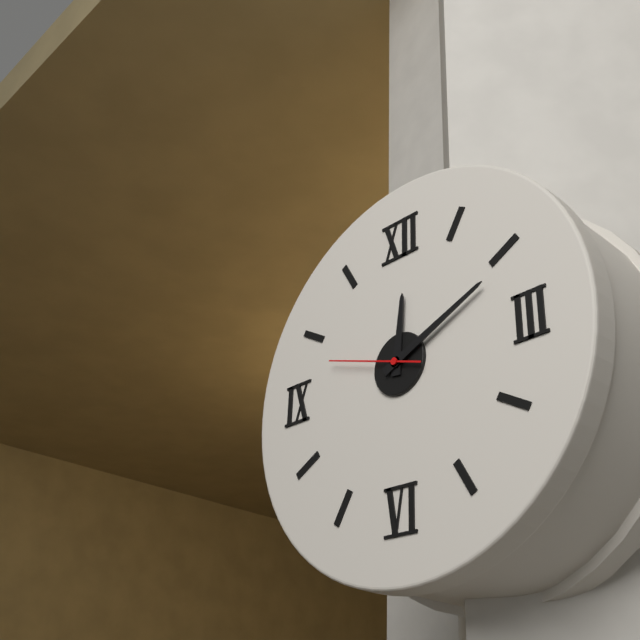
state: 12:11:48
